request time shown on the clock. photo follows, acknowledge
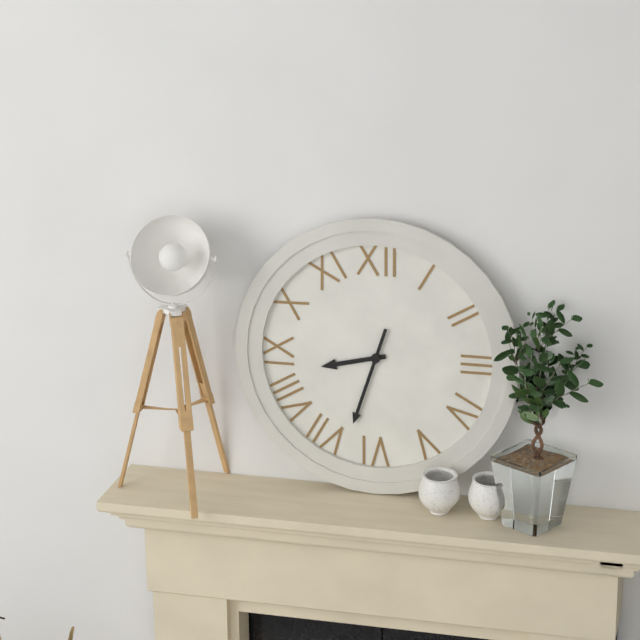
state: 8:33
